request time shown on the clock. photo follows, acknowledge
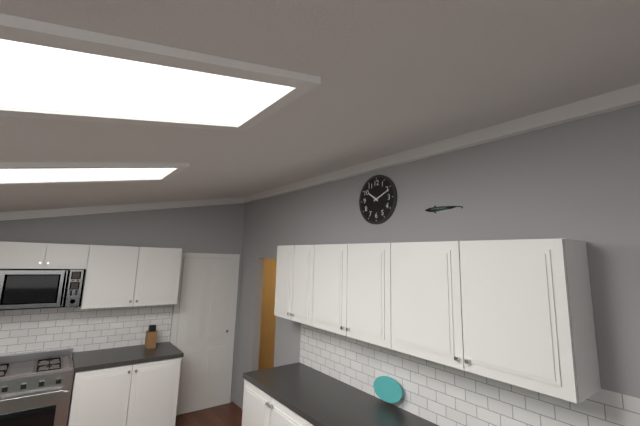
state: 10:11
